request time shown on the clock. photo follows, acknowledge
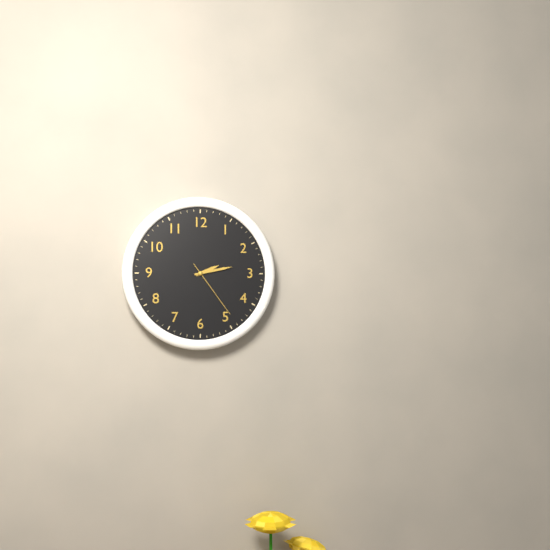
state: 2:13:24
